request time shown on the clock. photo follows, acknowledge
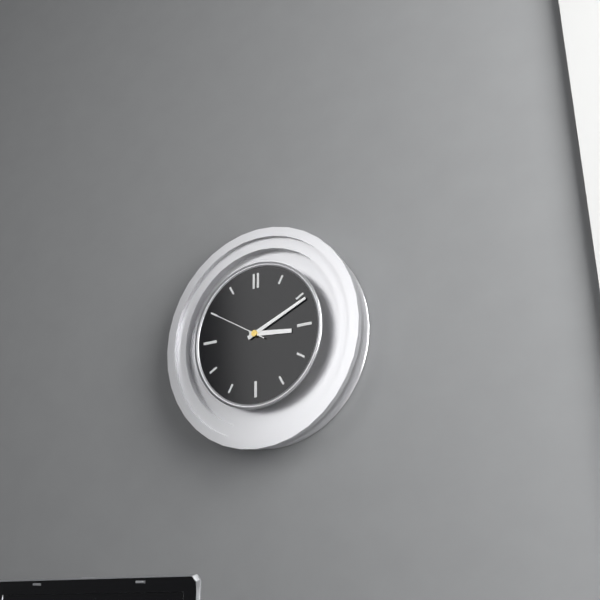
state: 3:11:50
